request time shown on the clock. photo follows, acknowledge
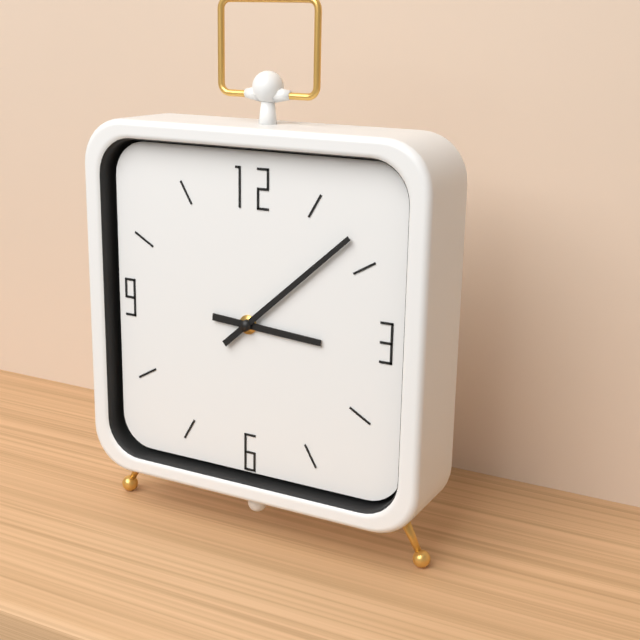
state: 3:08
